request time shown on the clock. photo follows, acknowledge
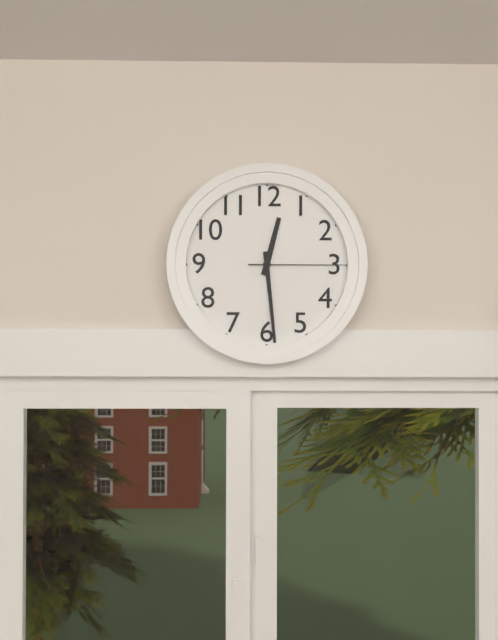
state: 12:29:15
